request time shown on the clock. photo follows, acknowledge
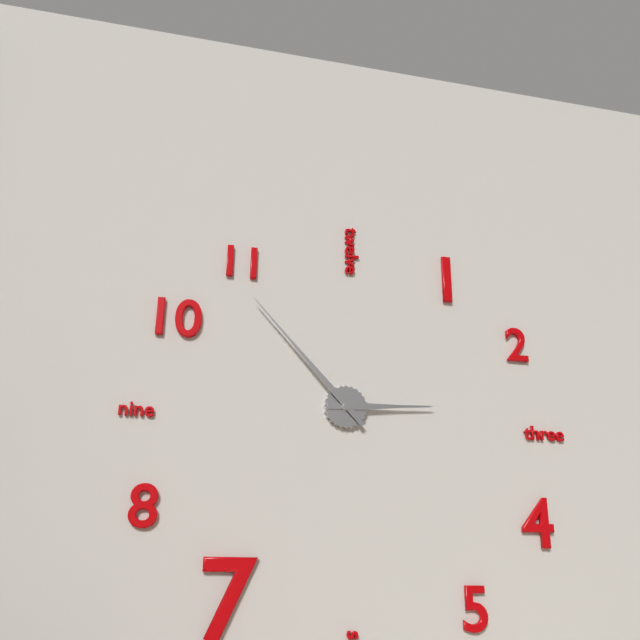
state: 2:53
